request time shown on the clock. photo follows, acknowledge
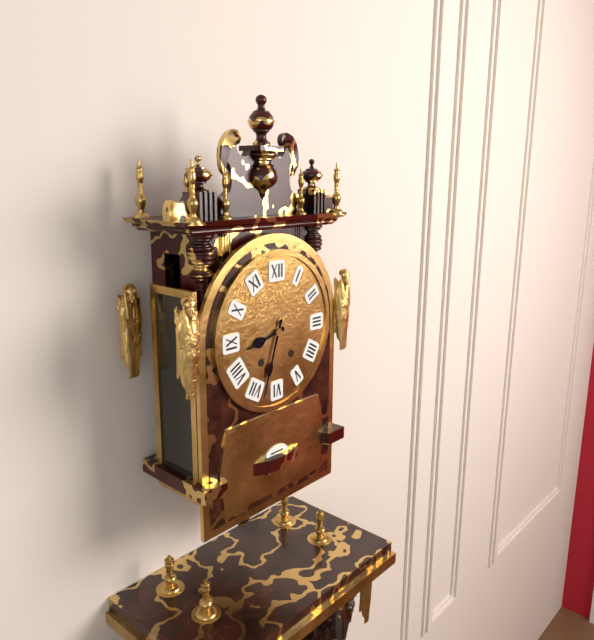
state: 8:33
